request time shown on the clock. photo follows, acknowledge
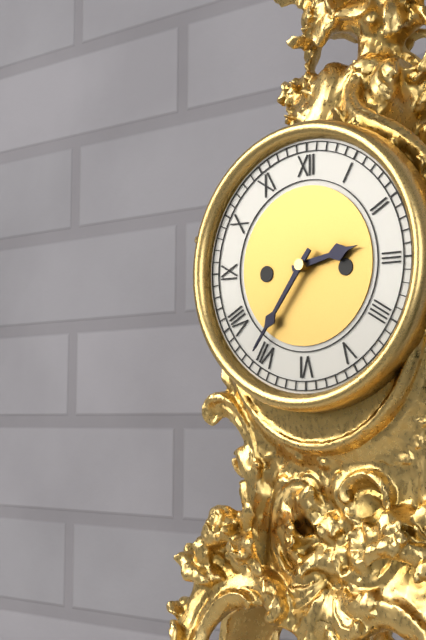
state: 2:36
